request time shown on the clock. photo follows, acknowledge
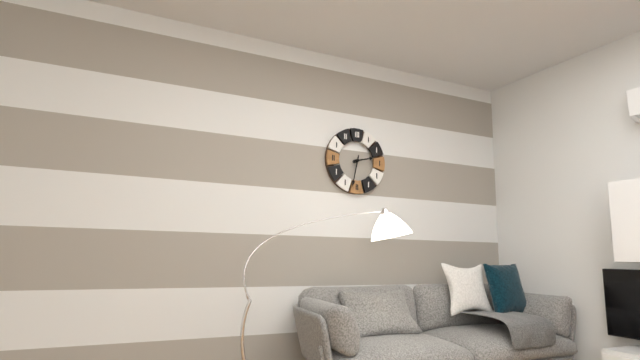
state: 2:32
